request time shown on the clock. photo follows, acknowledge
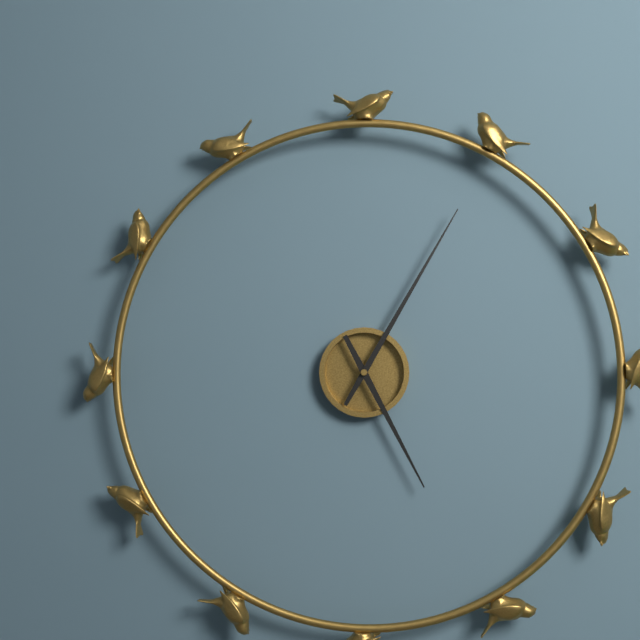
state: 5:05
